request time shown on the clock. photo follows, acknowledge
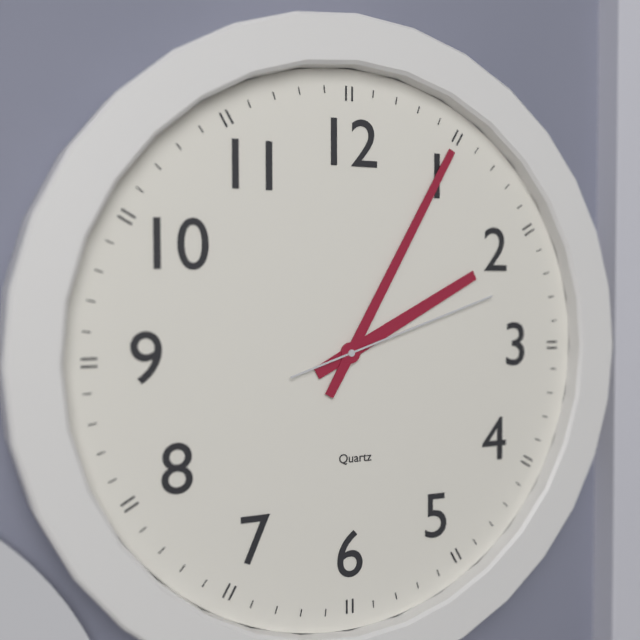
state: 2:05:12
